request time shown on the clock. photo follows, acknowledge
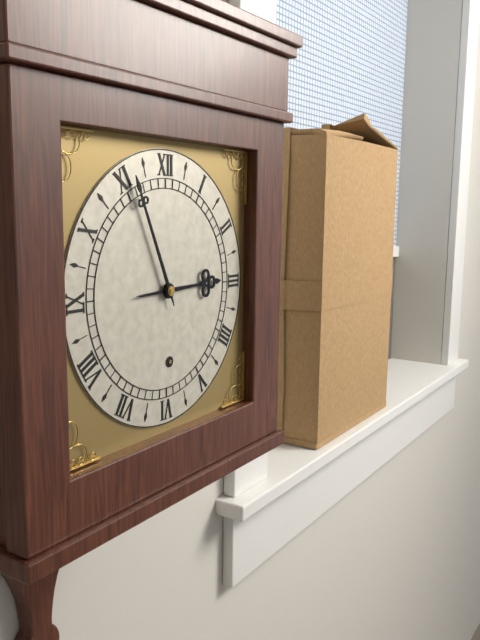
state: 2:56
